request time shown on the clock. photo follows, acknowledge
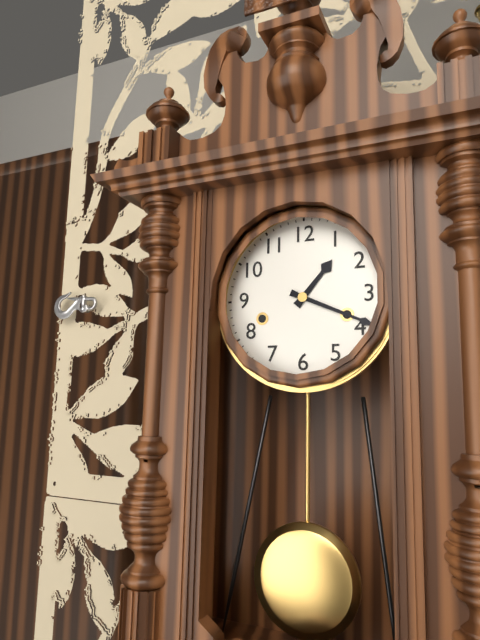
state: 1:19
